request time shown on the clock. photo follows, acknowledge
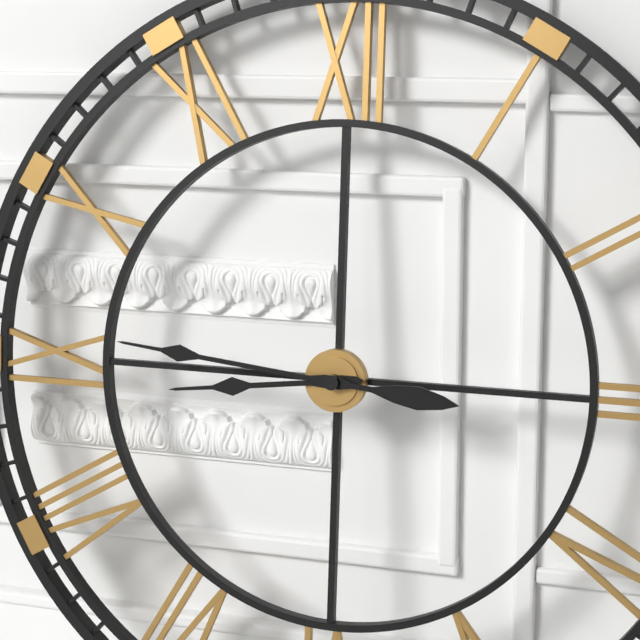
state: 8:46
